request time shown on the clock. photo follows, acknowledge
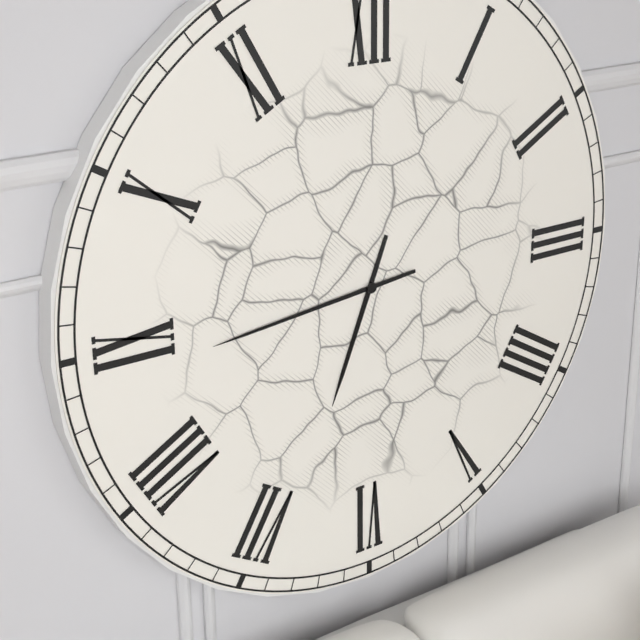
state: 6:44
